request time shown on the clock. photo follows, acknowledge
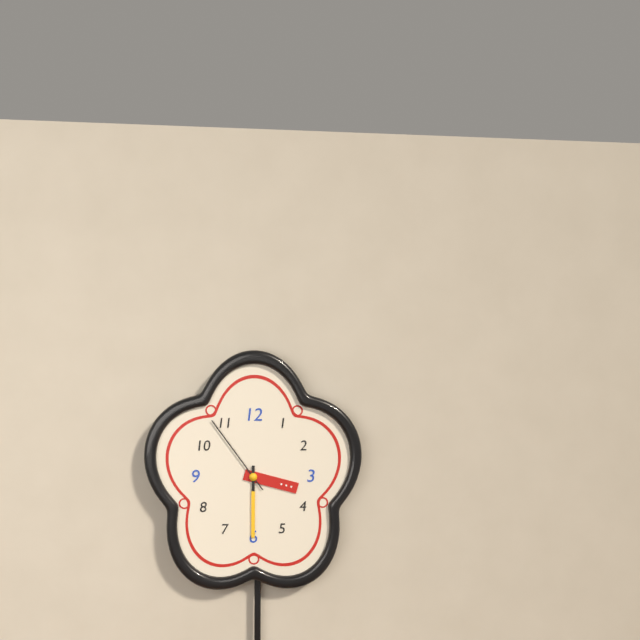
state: 3:30:54
